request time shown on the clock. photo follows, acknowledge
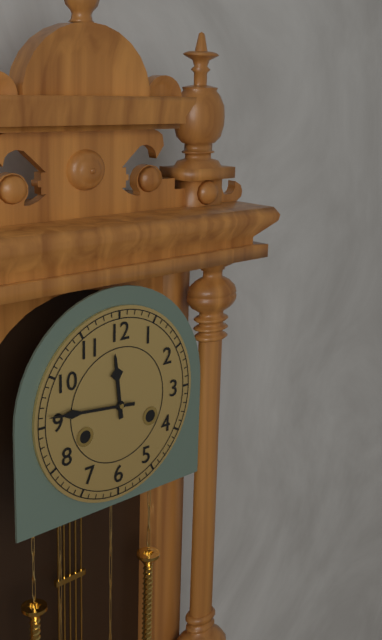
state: 11:46
